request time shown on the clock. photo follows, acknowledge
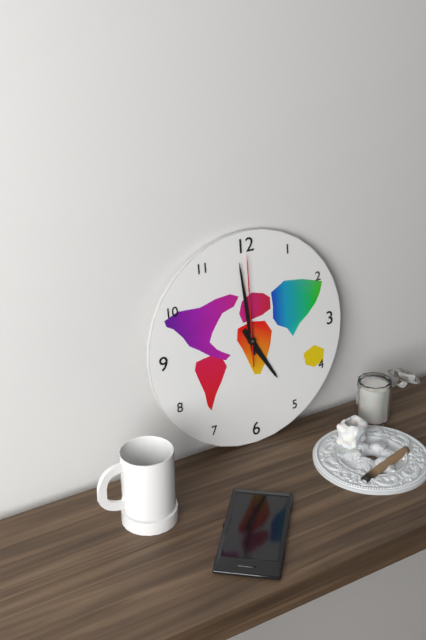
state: 4:59:00
